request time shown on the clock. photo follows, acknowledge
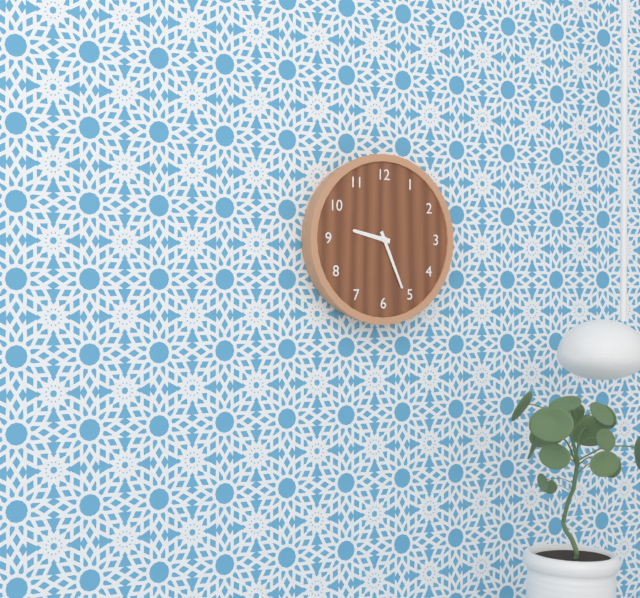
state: 9:26
